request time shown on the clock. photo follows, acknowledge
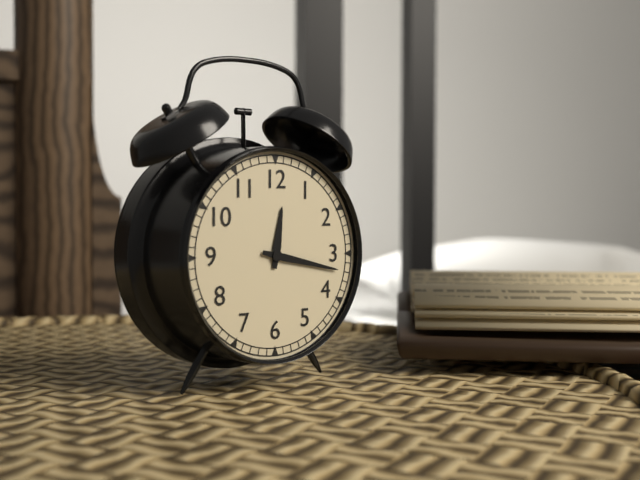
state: 12:17
